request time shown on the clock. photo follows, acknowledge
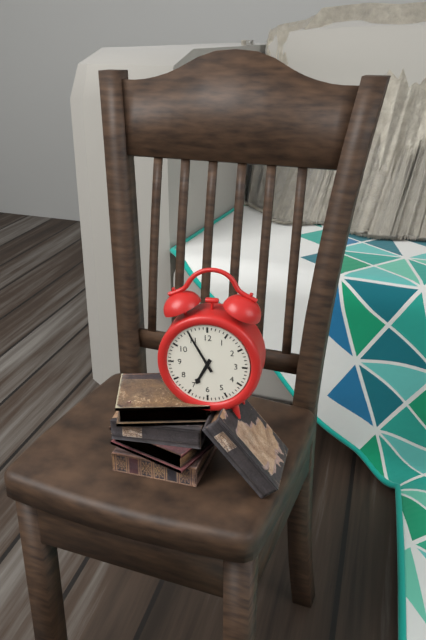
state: 6:55
